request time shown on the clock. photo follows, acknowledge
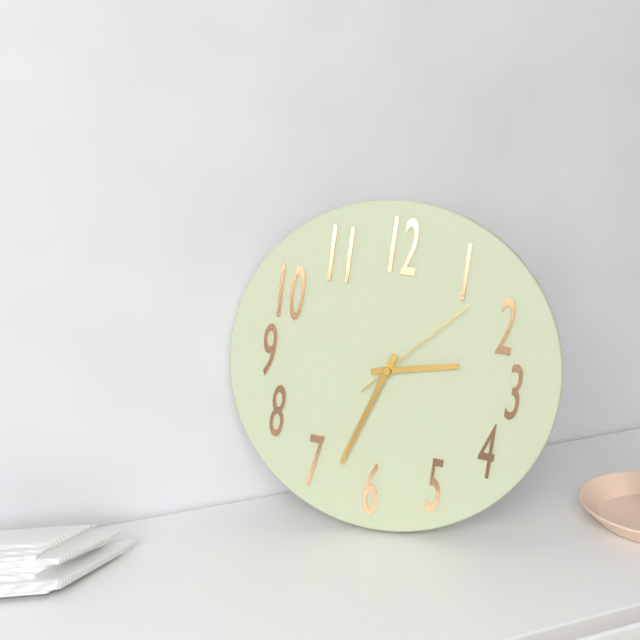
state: 2:33:07
